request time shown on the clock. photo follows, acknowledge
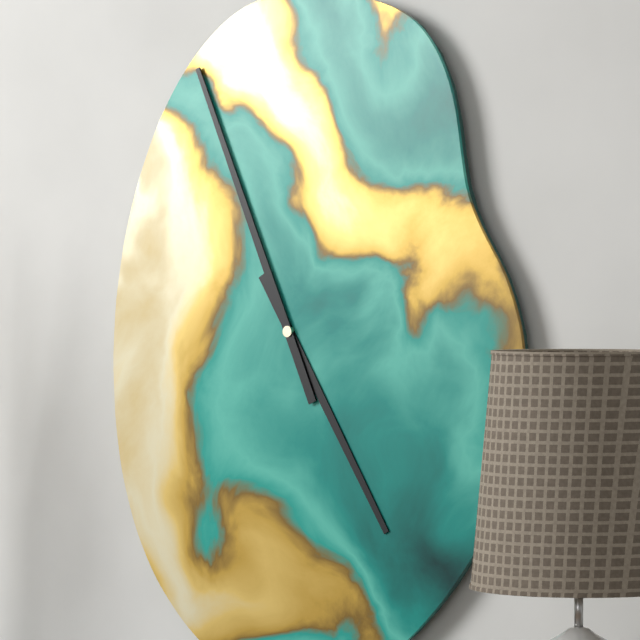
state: 4:56
